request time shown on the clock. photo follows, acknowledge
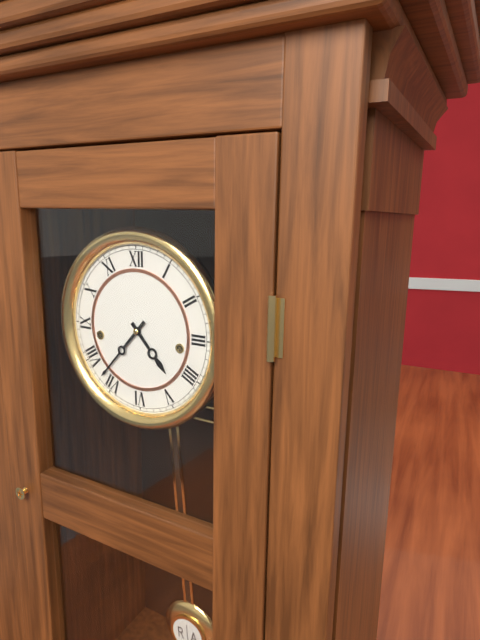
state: 4:37
